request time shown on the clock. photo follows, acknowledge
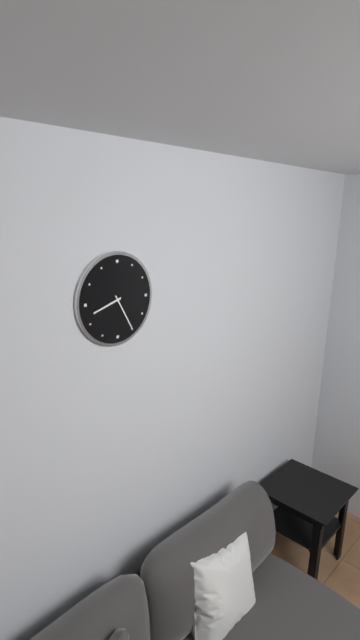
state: 8:25
